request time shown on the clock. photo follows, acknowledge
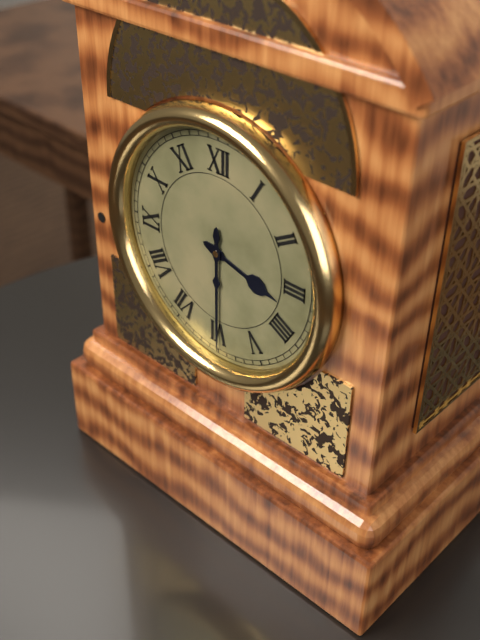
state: 3:30
